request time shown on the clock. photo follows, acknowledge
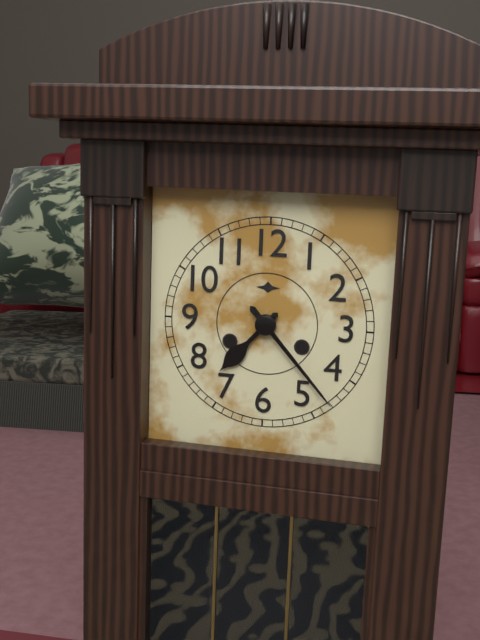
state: 7:23
